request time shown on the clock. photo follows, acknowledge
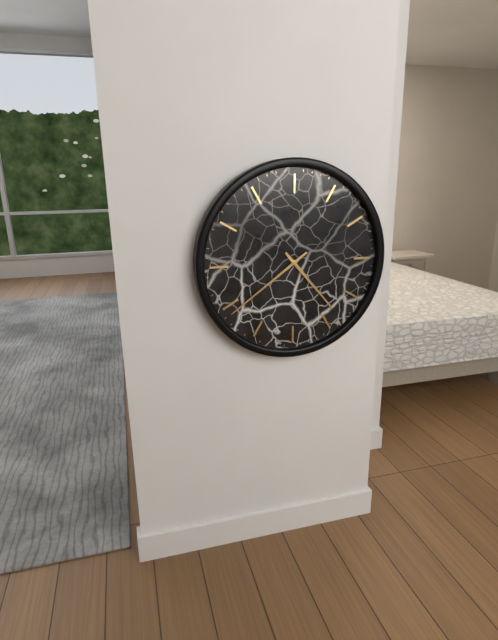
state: 4:39
